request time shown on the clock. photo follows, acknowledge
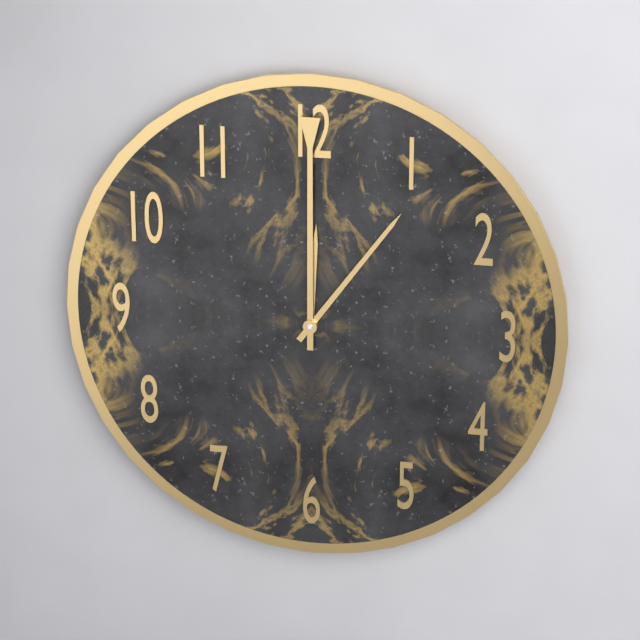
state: 12:06:00
